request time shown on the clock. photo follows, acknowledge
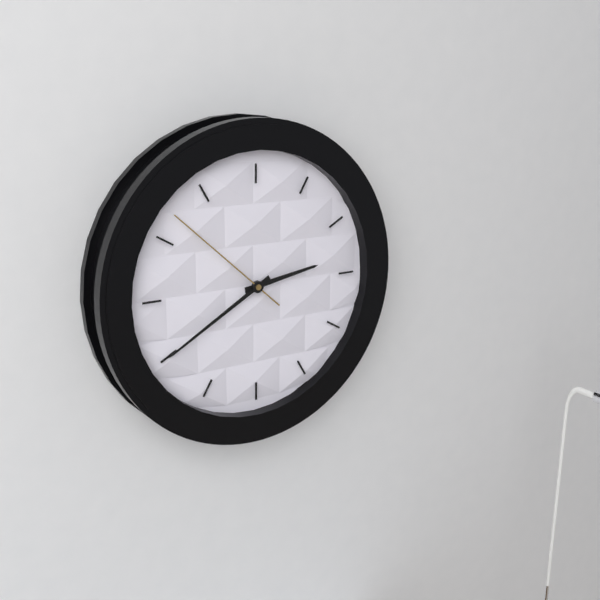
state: 2:40:52
